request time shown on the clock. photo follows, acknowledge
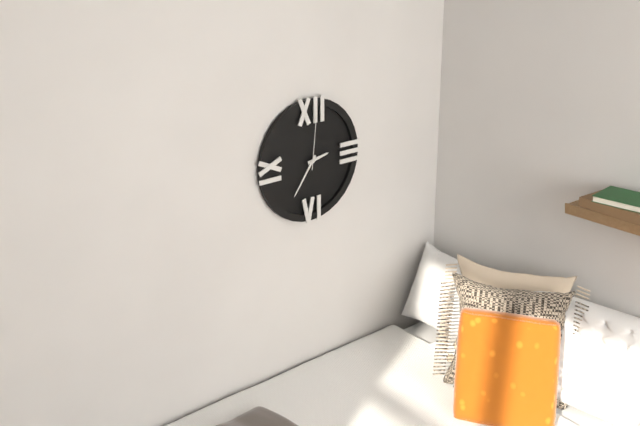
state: 2:36:01
